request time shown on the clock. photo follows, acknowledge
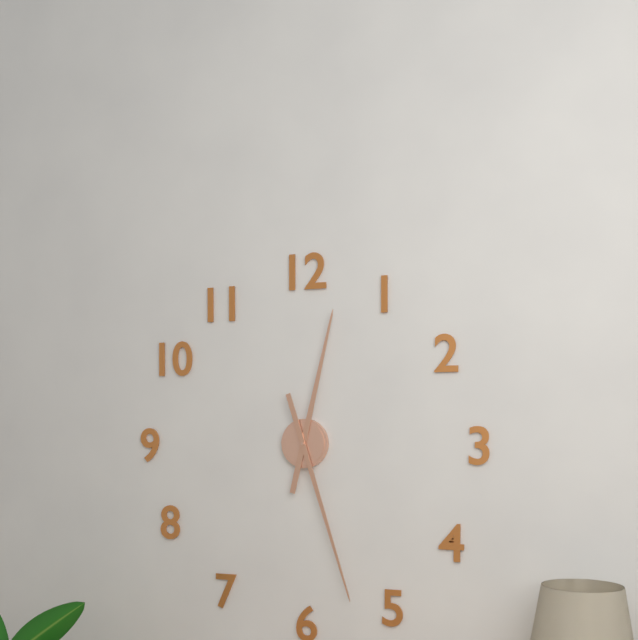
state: 12:27
